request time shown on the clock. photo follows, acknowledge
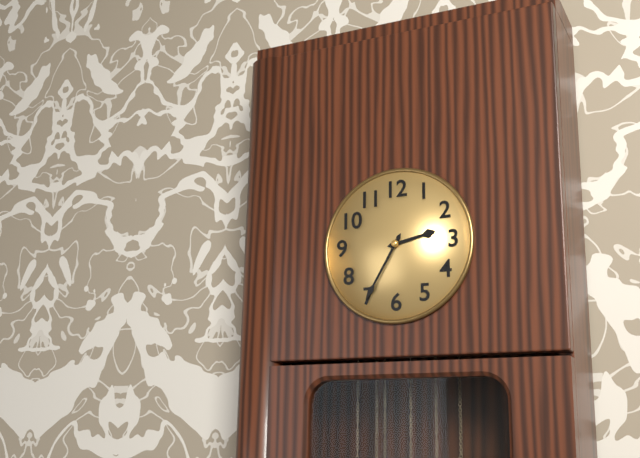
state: 2:35
